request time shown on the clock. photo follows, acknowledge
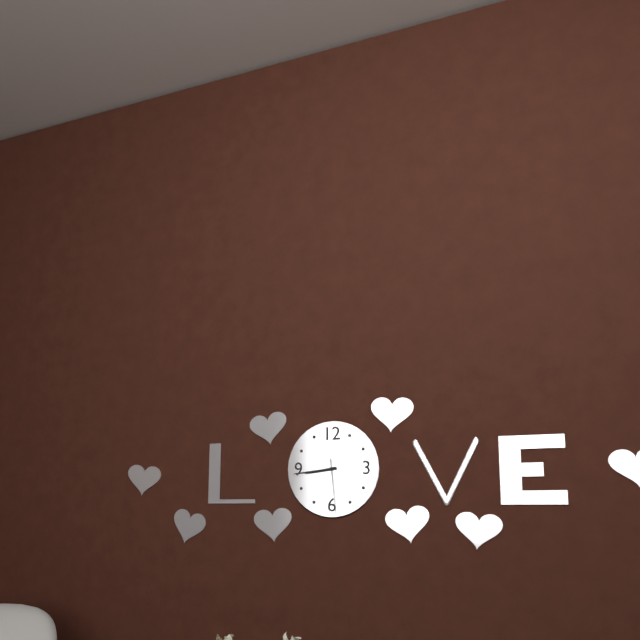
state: 8:44:29
